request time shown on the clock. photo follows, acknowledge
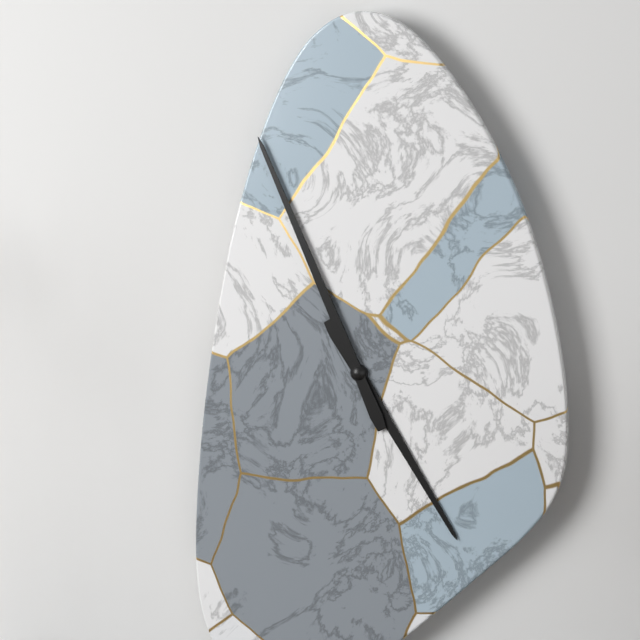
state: 4:56
